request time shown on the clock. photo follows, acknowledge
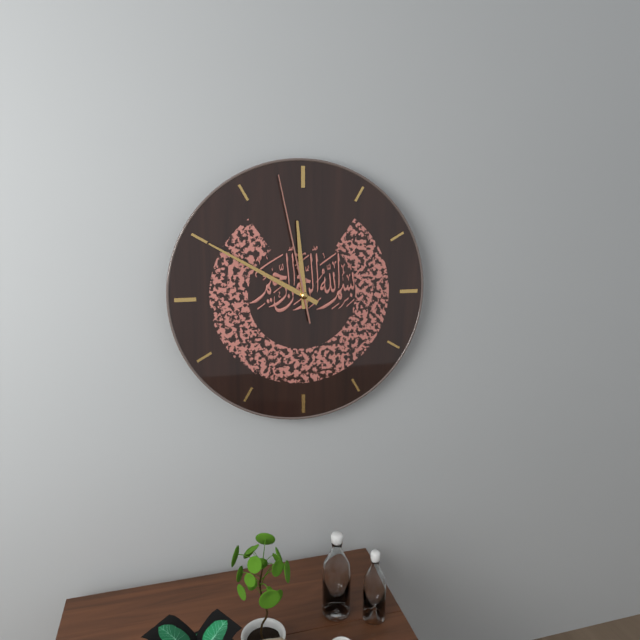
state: 11:50:58
